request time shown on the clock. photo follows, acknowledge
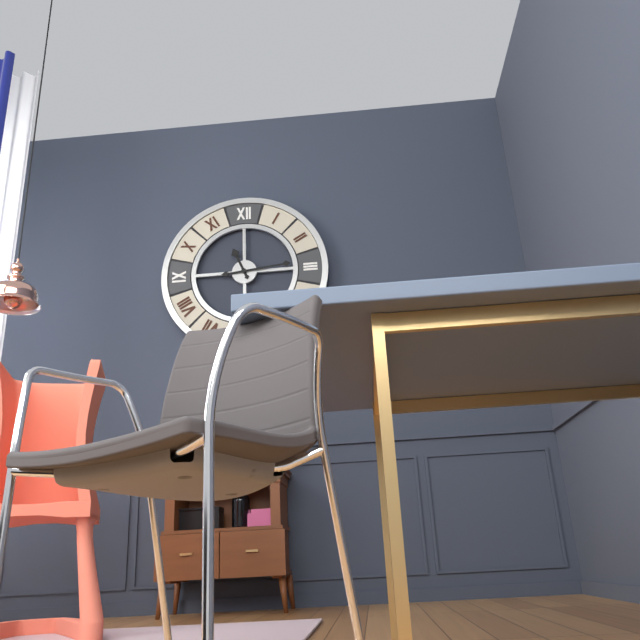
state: 11:14
